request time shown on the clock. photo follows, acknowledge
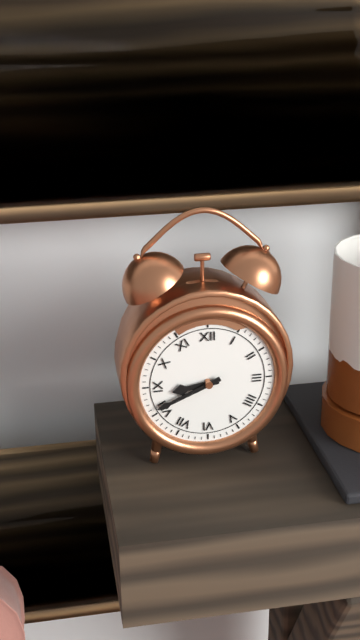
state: 8:41
